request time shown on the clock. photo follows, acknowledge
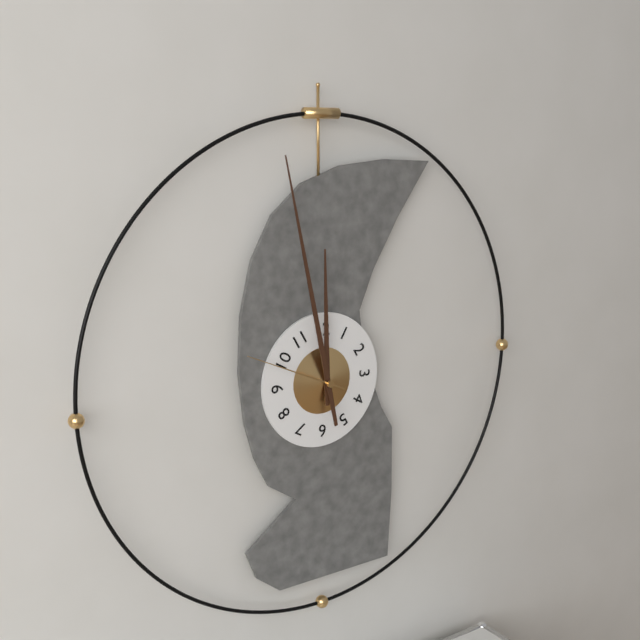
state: 11:58:49
